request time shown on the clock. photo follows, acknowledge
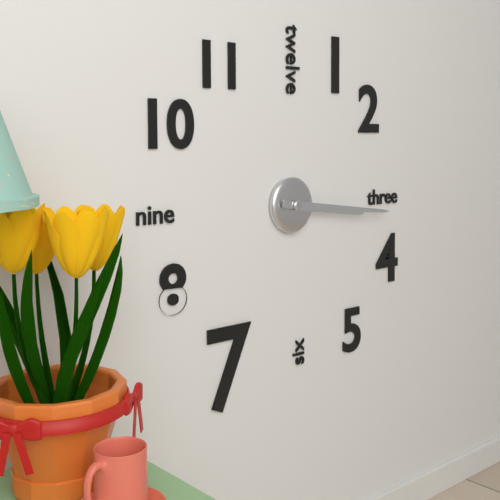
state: 3:16
